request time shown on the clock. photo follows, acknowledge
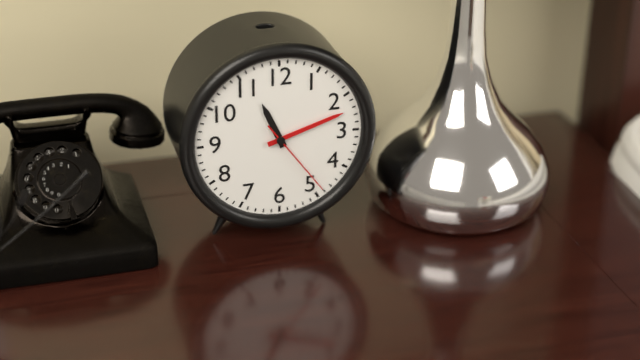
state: 11:12:24
